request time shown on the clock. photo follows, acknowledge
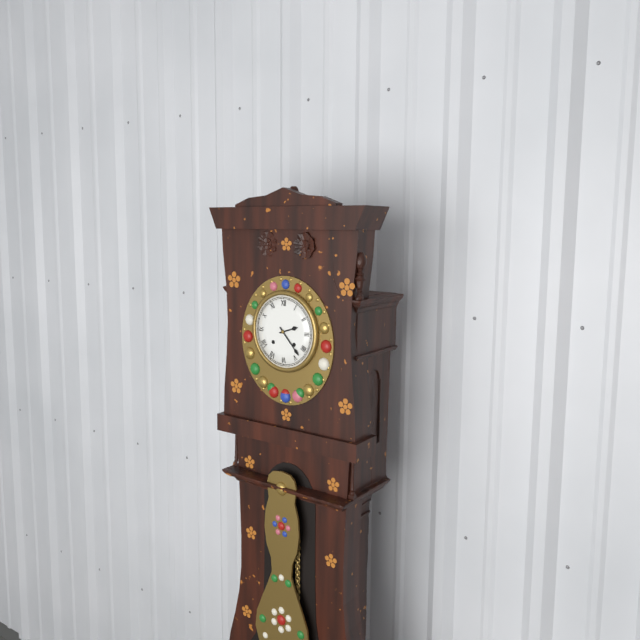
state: 2:23
